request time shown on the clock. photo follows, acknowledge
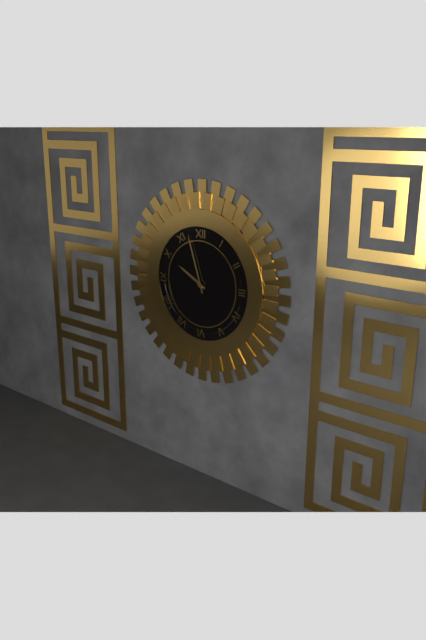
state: 9:57
